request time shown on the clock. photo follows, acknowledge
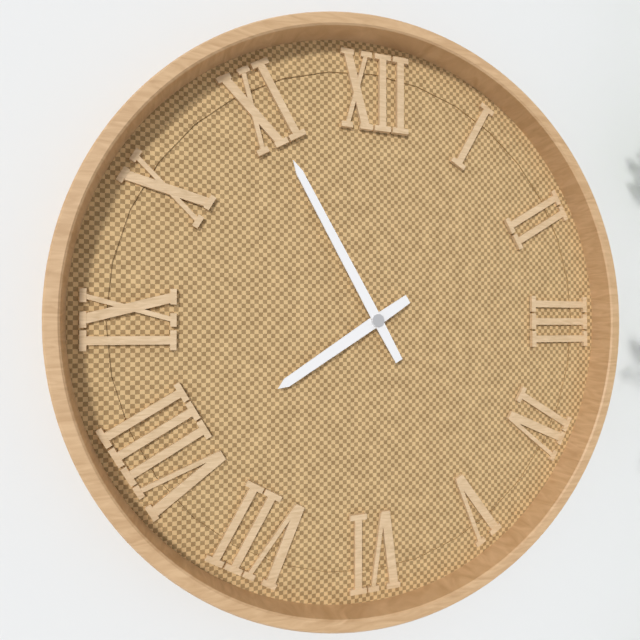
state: 7:55
